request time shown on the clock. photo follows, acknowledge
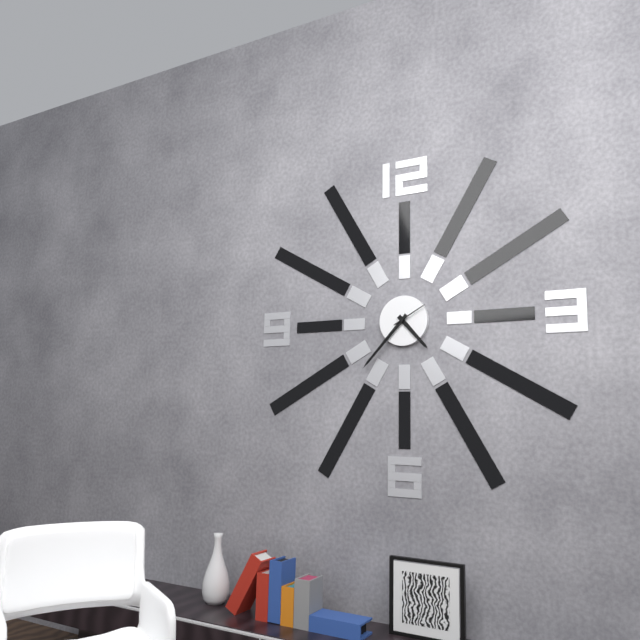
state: 4:37
